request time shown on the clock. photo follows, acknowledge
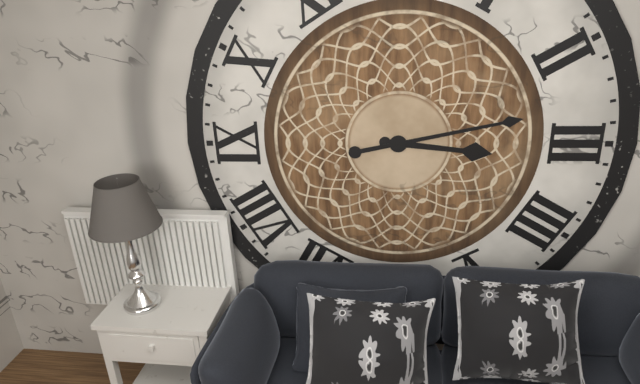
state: 3:13
